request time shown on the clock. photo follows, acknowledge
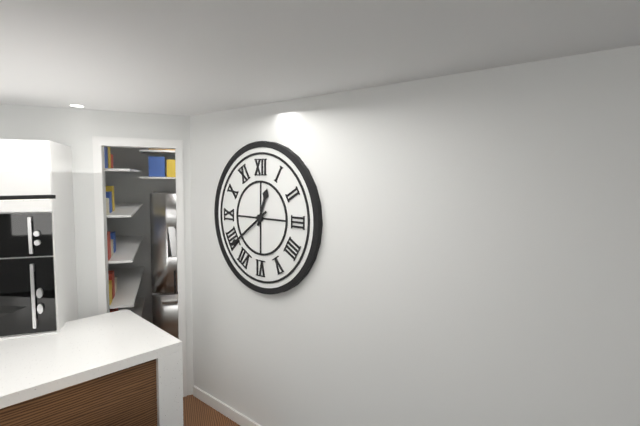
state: 12:39
